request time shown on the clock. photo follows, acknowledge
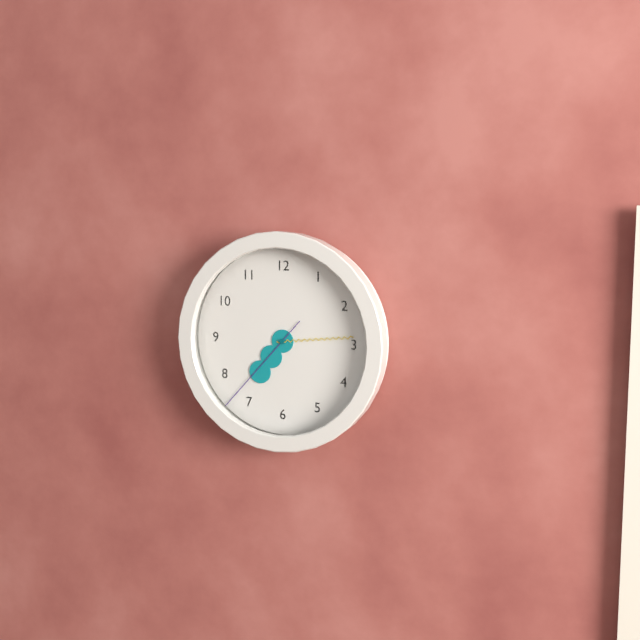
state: 7:14:37
